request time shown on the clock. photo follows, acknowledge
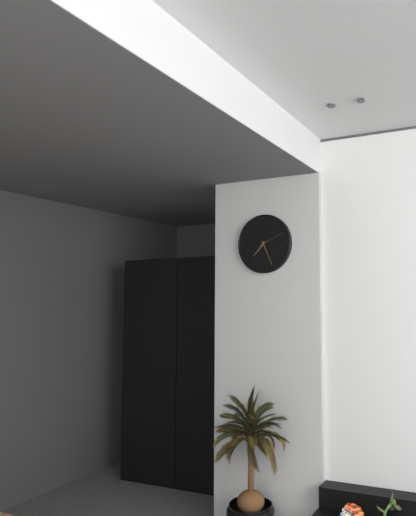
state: 7:26
